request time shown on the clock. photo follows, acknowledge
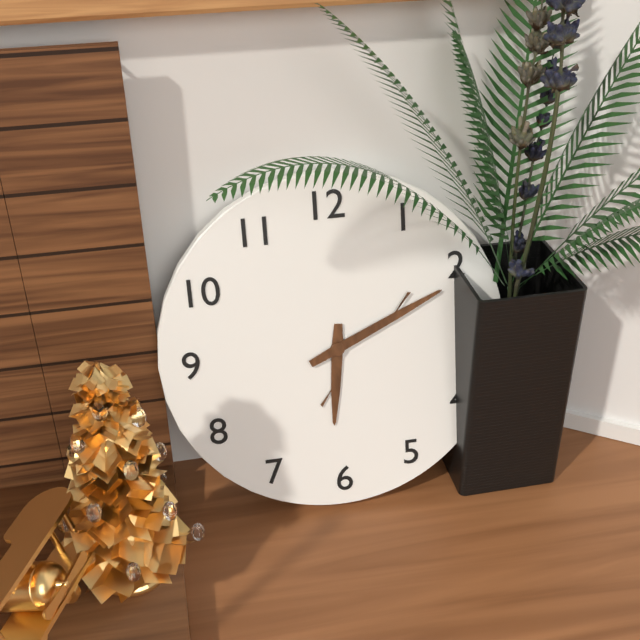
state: 6:11
